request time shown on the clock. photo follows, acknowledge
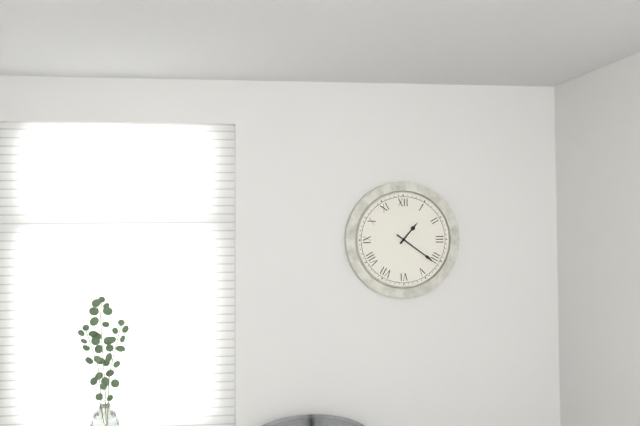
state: 1:21
